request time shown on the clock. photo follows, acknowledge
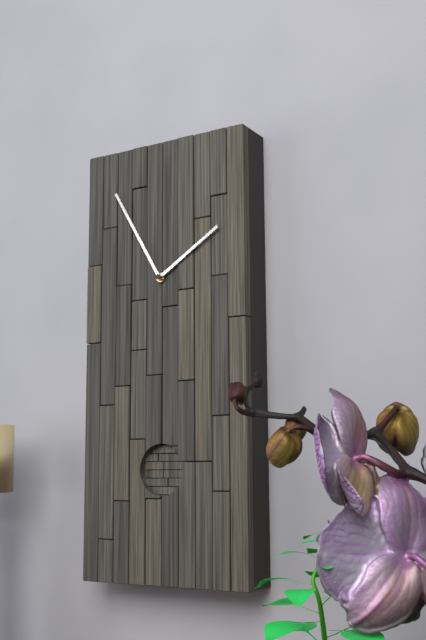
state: 1:55
